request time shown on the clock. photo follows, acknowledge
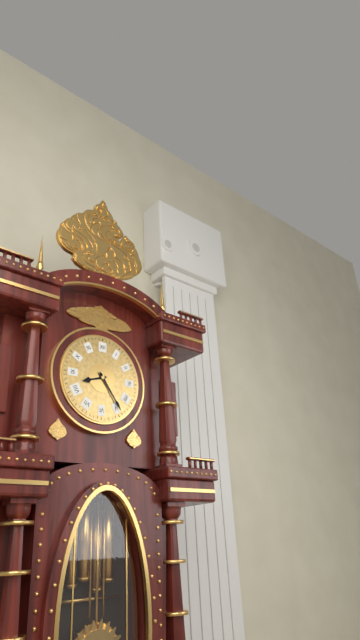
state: 8:24
